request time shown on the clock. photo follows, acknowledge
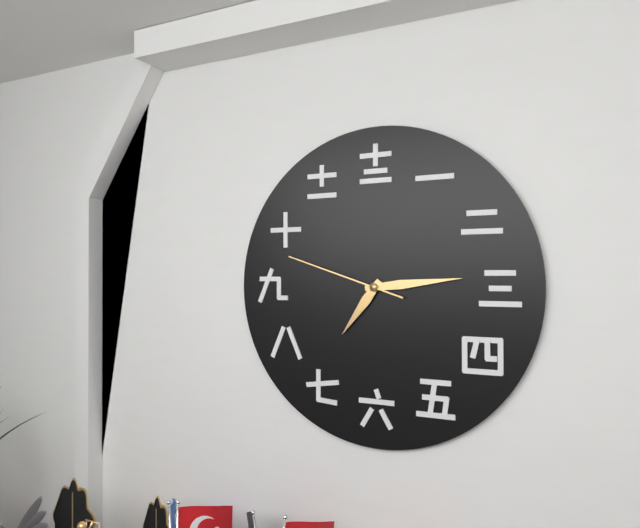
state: 7:14:48
